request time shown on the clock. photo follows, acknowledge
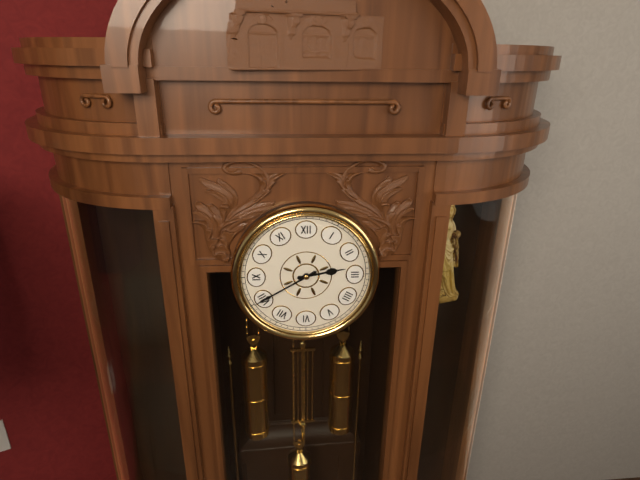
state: 2:40
